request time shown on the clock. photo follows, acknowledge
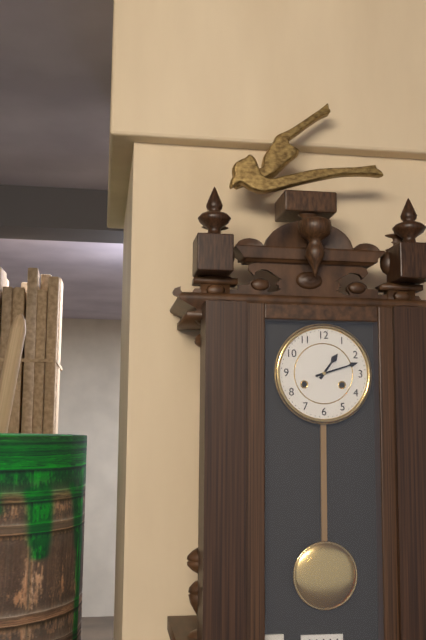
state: 1:12
